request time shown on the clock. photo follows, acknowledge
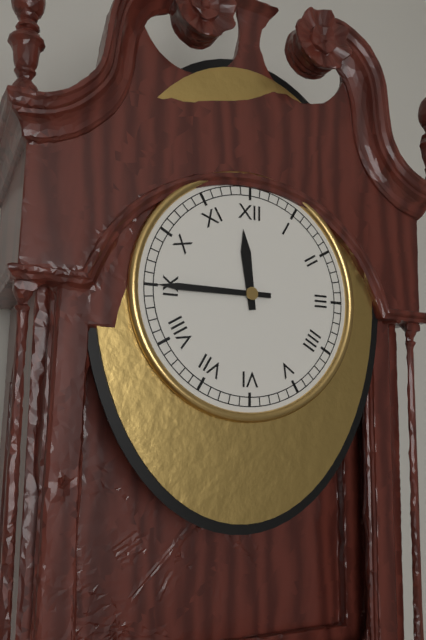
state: 11:45
